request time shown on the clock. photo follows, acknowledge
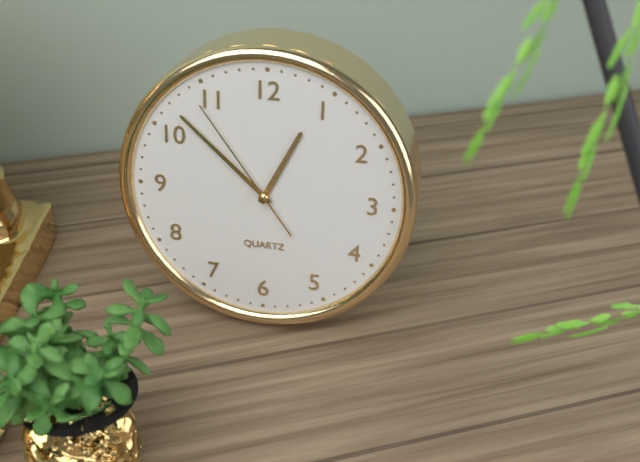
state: 12:52:54
